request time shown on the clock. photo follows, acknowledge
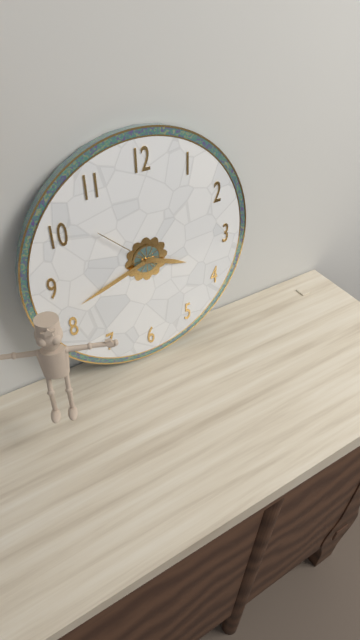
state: 3:42:52
